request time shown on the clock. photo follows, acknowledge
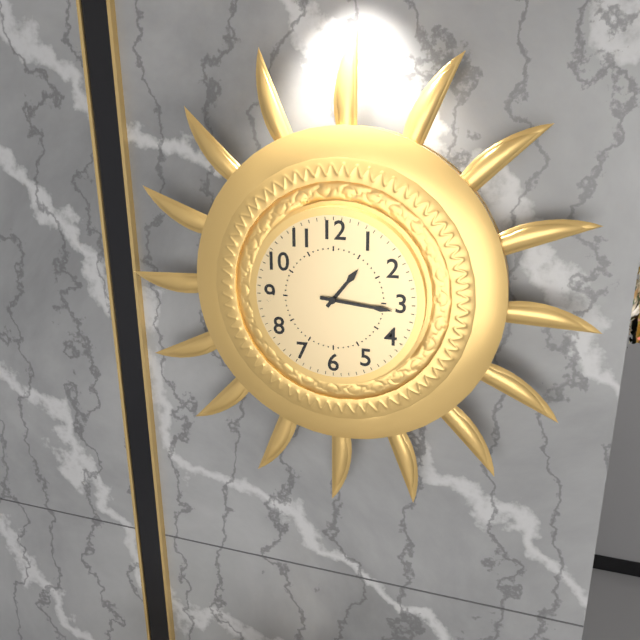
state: 1:16
